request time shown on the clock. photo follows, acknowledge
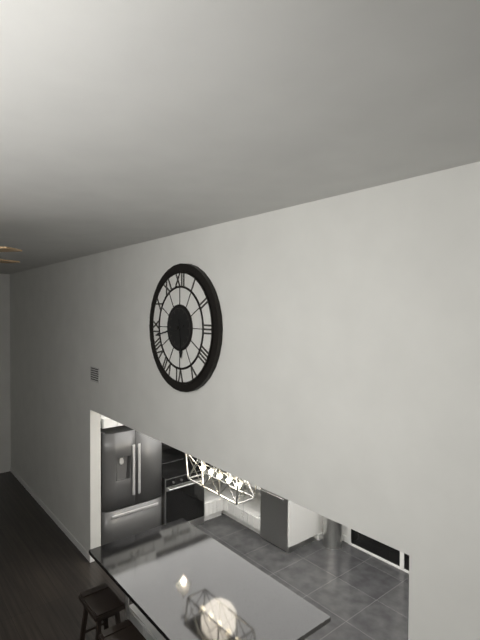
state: 5:43
